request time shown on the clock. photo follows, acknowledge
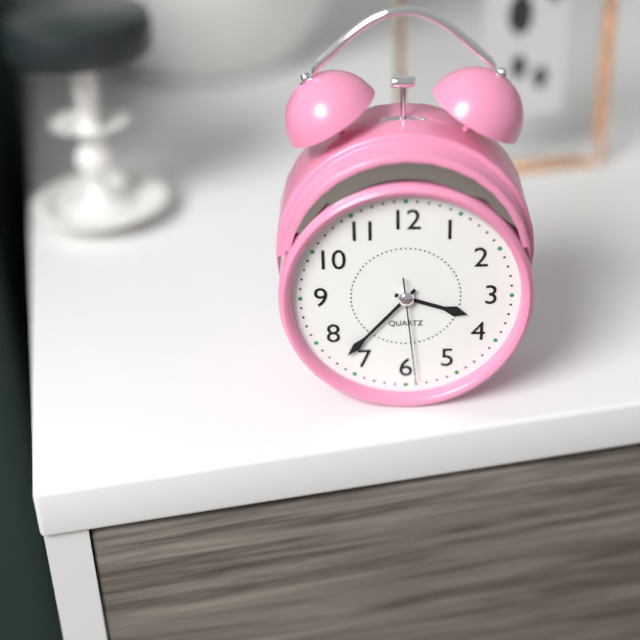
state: 3:37:29
